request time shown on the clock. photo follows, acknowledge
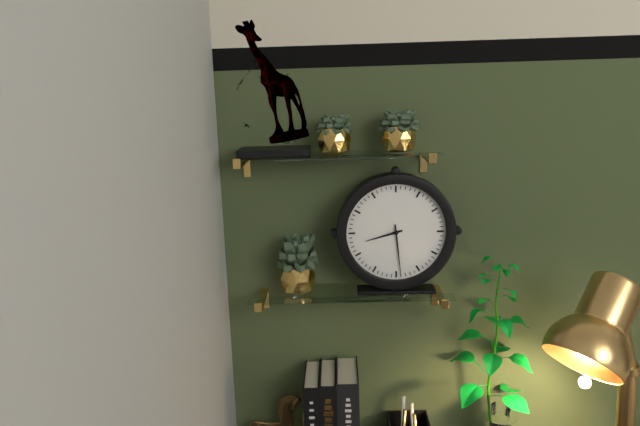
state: 8:29
